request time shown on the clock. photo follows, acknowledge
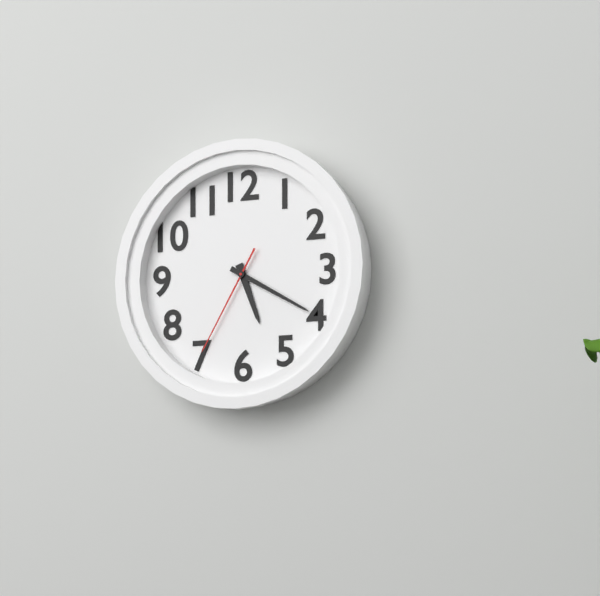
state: 5:20:35
